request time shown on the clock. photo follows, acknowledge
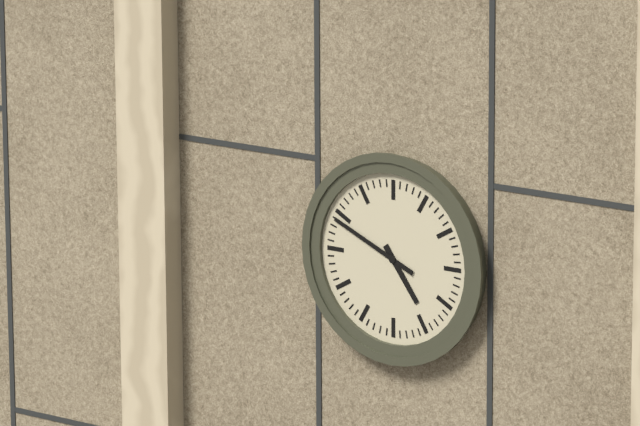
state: 4:49
